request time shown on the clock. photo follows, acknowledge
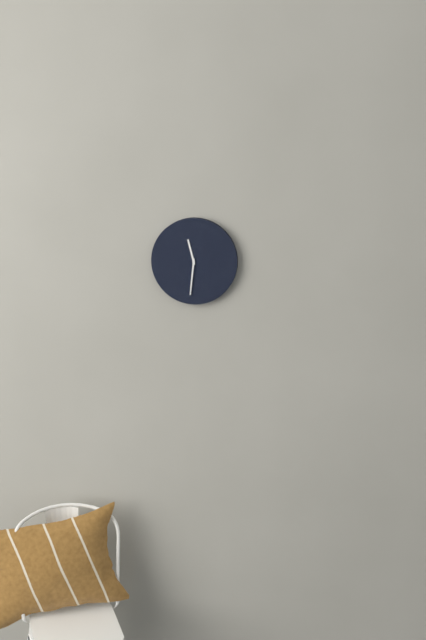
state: 11:31
